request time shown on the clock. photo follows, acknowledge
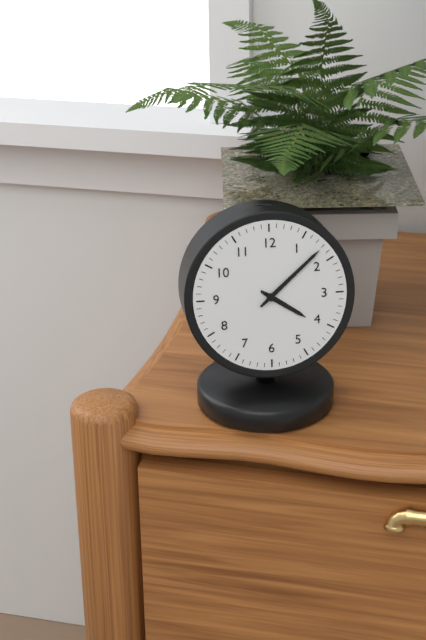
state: 4:08
